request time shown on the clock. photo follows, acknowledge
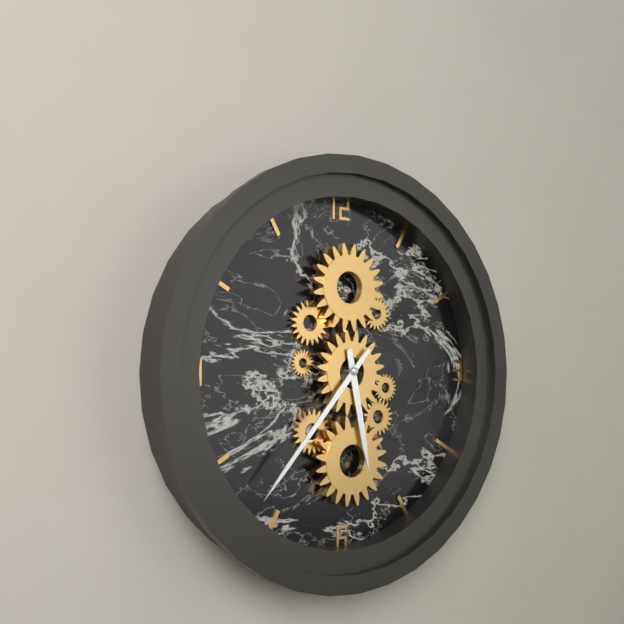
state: 5:37
